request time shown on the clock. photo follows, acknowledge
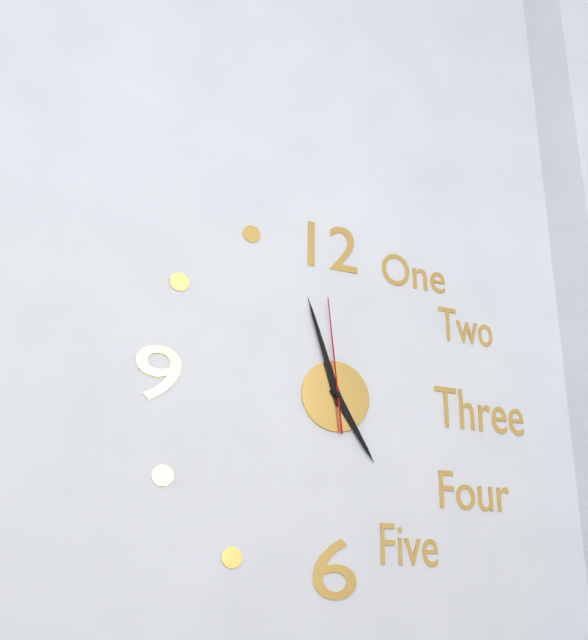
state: 4:57:59
